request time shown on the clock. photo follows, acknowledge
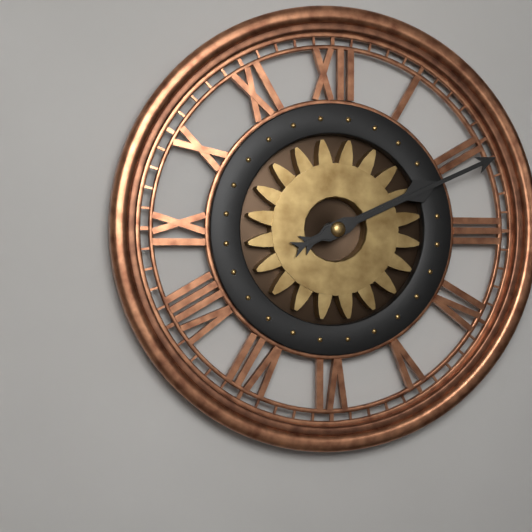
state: 2:11
